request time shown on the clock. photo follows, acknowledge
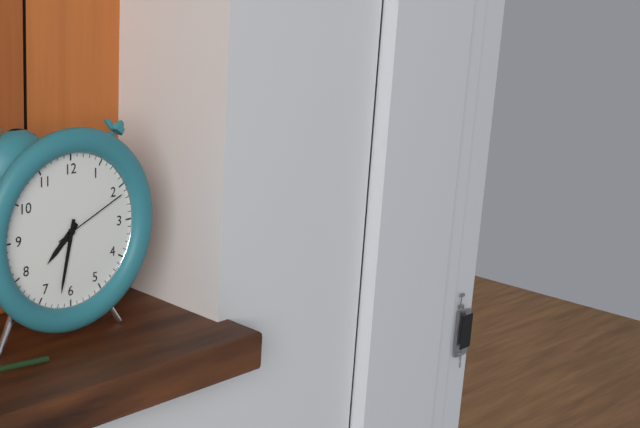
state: 7:32:11
